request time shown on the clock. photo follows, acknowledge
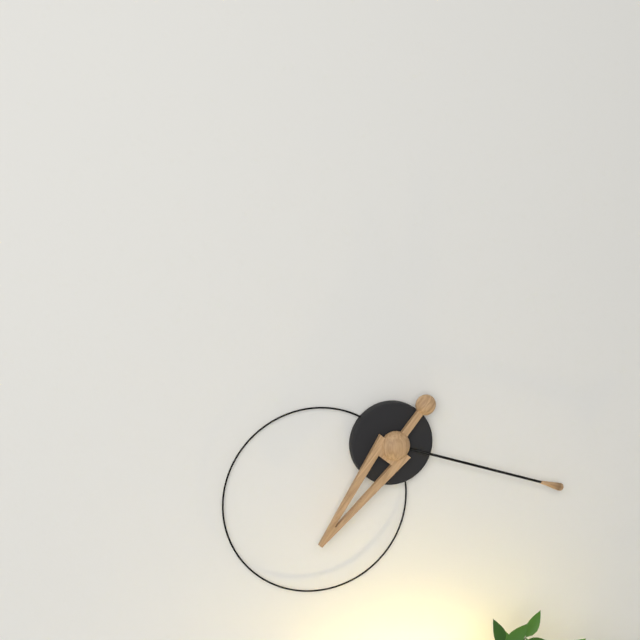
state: 7:18
